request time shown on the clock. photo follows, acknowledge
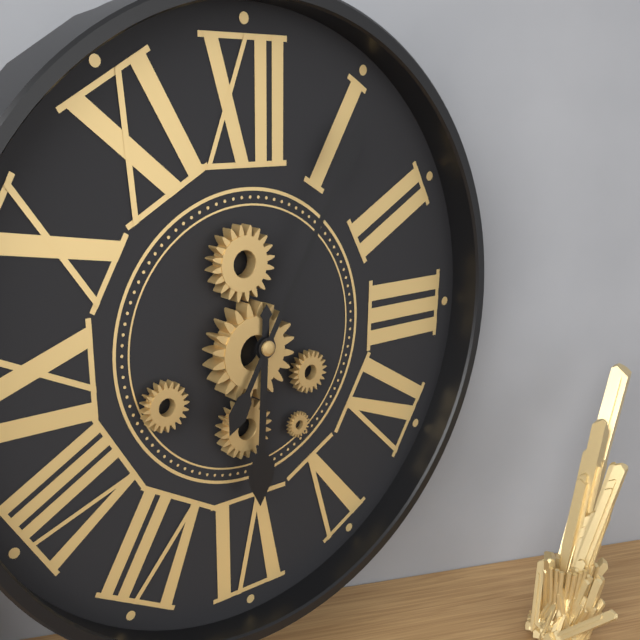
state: 6:05
